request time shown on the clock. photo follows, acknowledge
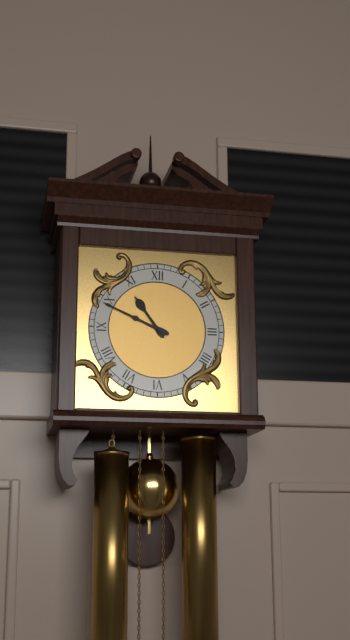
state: 10:49
